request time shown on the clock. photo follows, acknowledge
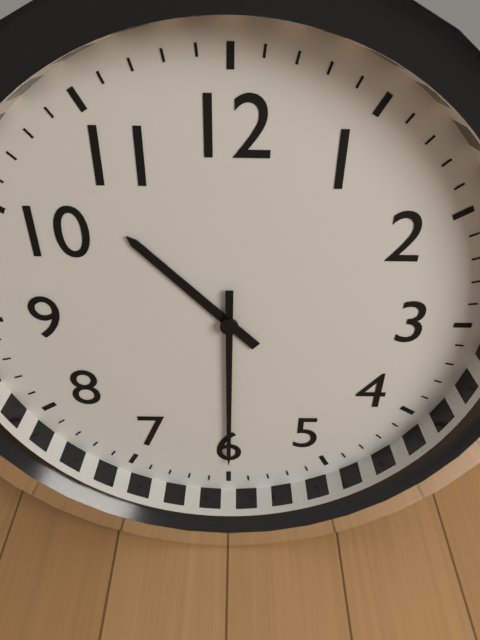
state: 10:30
